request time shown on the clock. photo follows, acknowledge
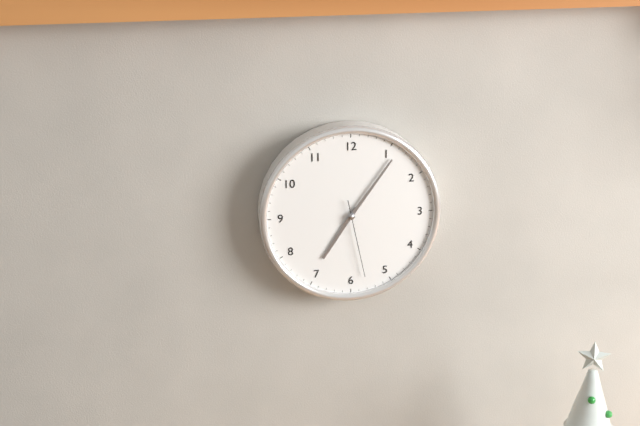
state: 7:06:28
